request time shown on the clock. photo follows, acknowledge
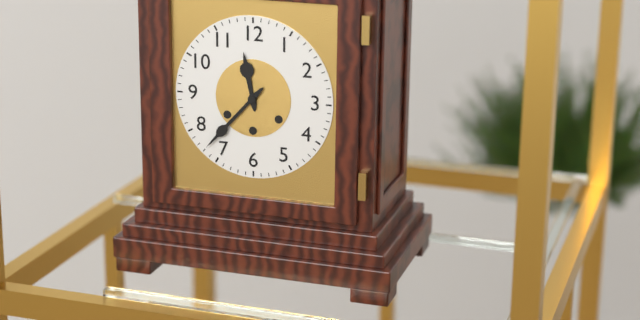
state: 11:37
